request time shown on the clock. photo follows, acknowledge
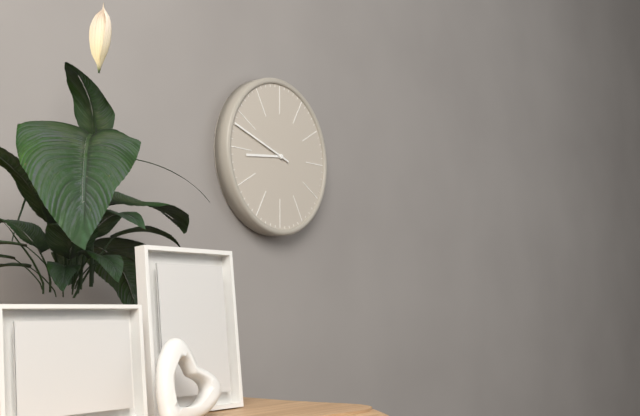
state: 8:48
